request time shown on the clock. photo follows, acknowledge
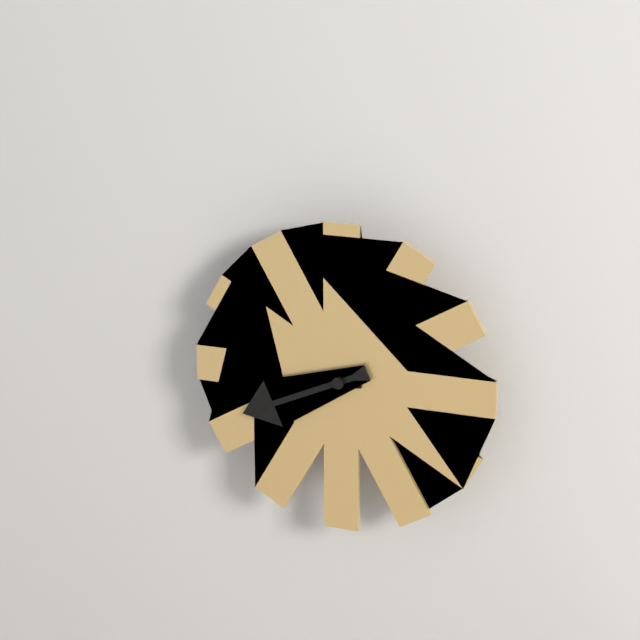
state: 8:41
